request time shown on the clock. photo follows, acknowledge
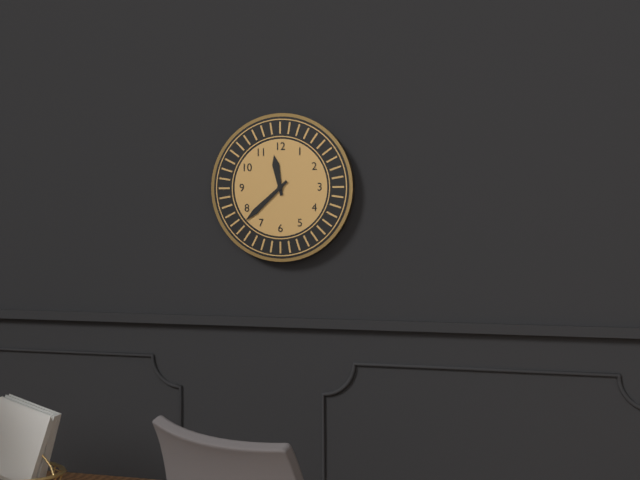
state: 11:38
